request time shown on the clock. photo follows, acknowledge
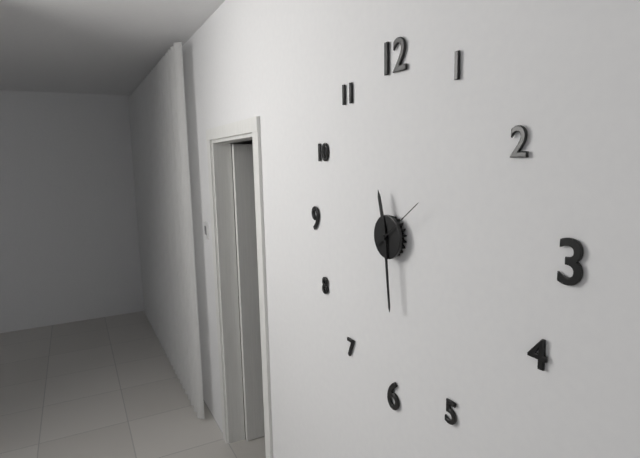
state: 11:29:09
